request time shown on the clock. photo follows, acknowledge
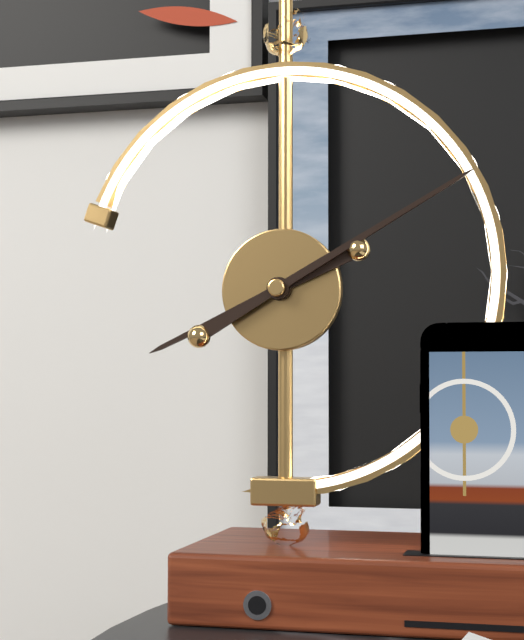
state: 8:10
